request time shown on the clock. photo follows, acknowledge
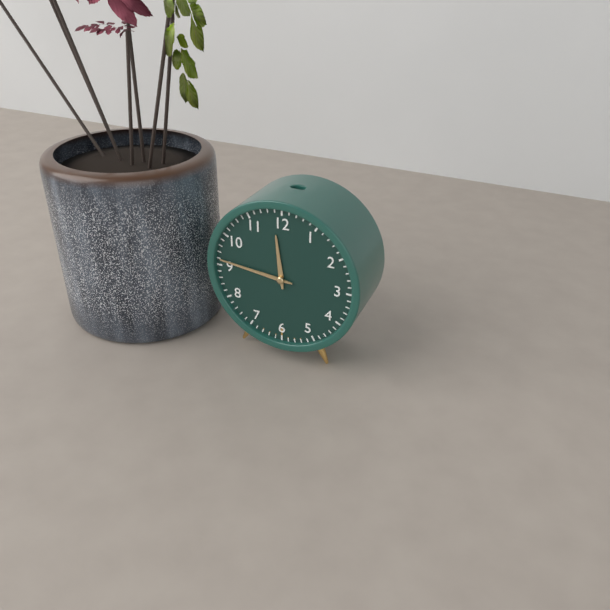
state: 11:46
